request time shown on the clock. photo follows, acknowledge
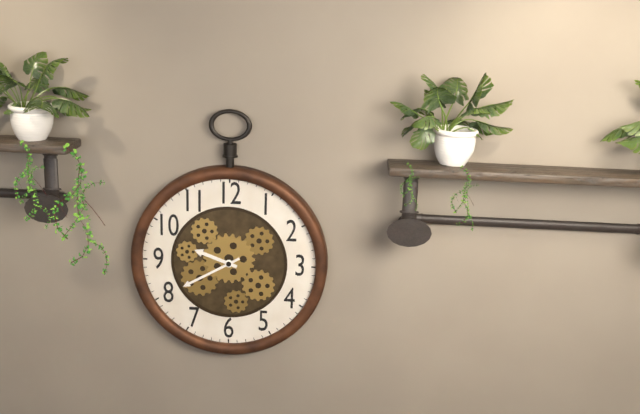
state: 9:40
